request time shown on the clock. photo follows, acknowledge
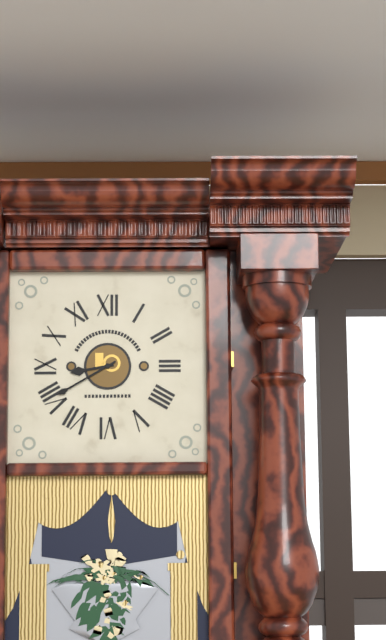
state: 8:40
